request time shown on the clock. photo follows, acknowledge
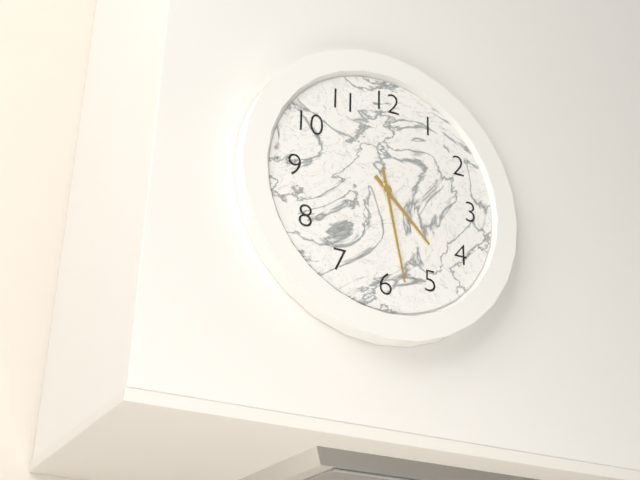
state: 4:28
